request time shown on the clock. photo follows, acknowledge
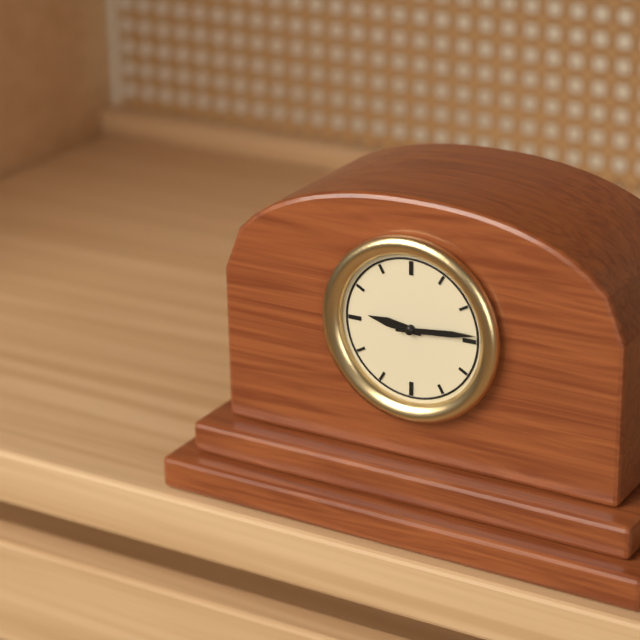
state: 9:14
